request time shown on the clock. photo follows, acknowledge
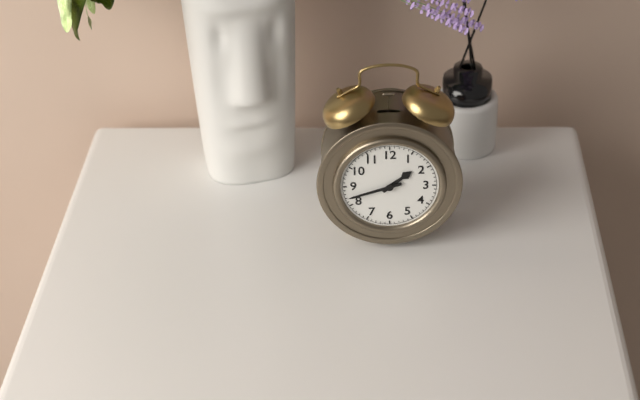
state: 1:42
